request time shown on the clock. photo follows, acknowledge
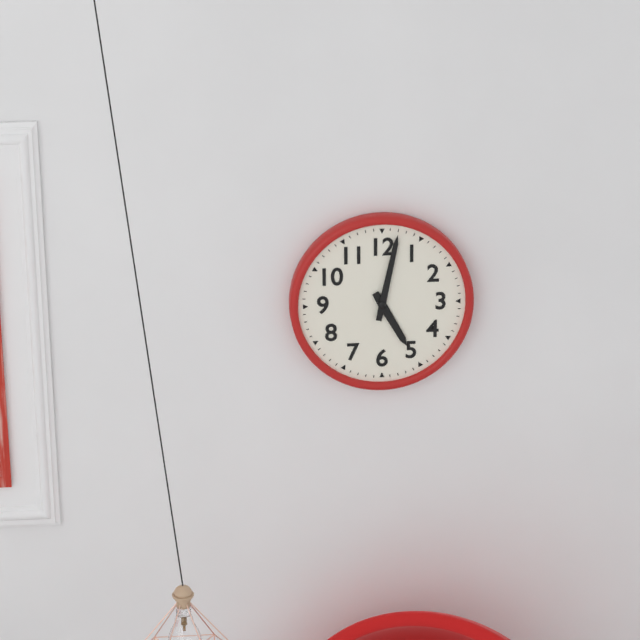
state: 5:02
